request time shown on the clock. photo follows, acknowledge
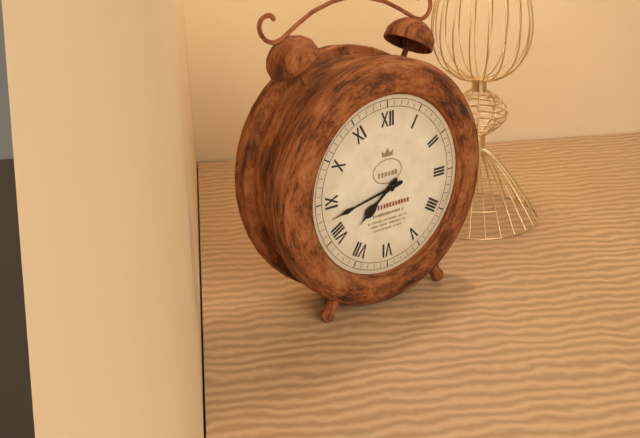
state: 7:43
